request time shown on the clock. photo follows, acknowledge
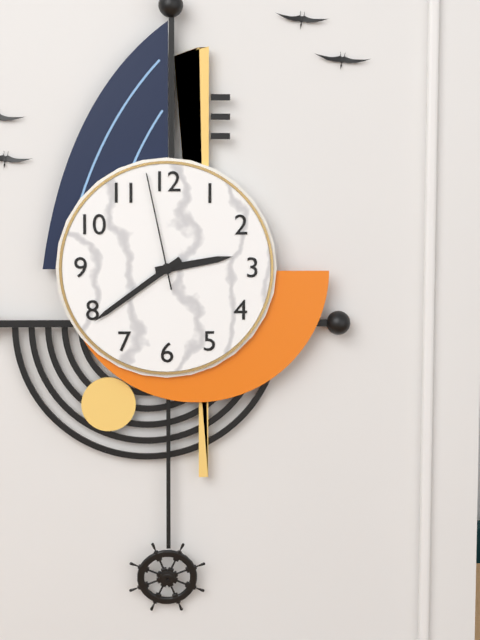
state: 2:39:58
